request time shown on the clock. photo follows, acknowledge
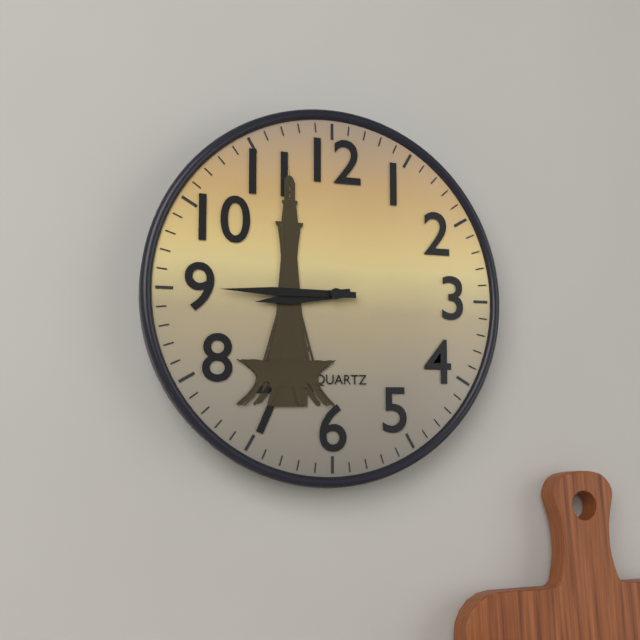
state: 8:45
